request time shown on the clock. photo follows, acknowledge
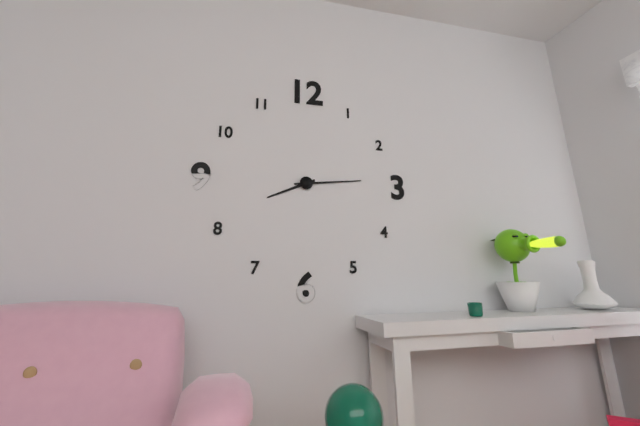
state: 8:14
